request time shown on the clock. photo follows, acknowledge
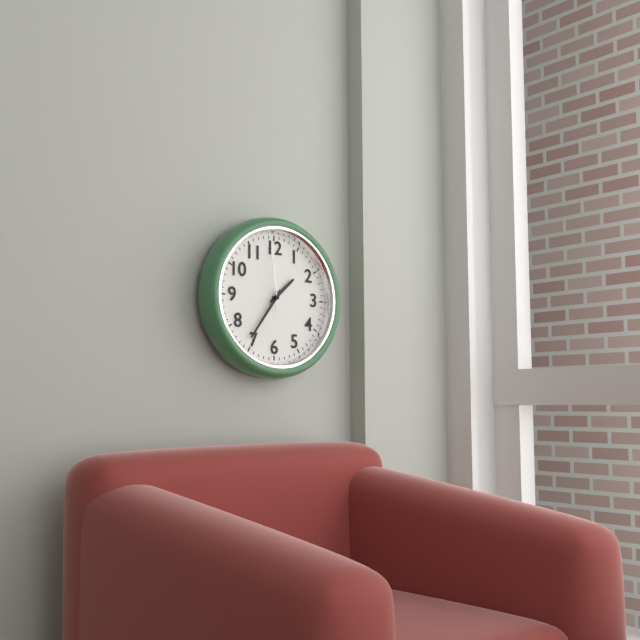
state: 1:36:59
